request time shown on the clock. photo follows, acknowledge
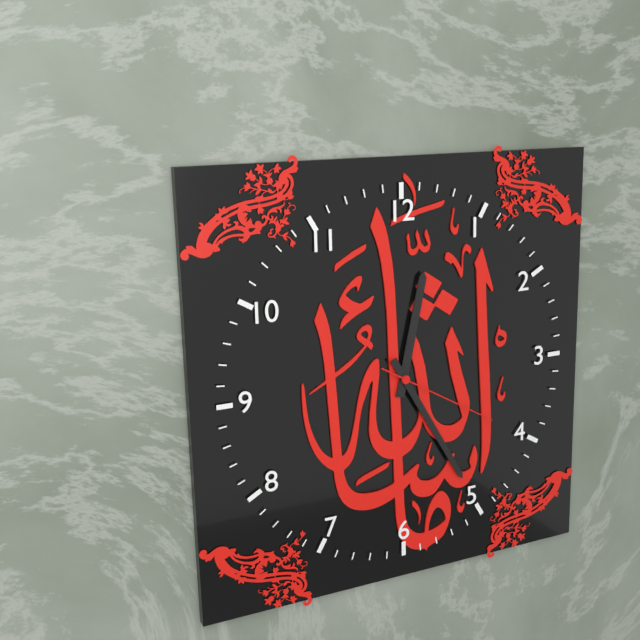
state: 12:25:20
